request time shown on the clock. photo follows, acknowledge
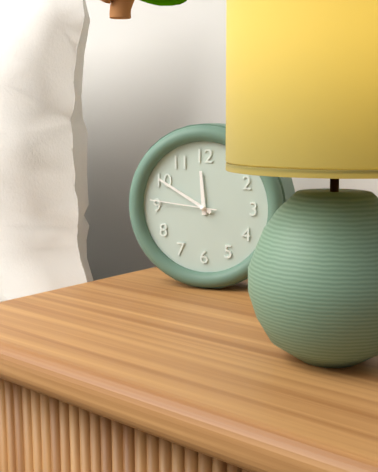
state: 11:50:46
